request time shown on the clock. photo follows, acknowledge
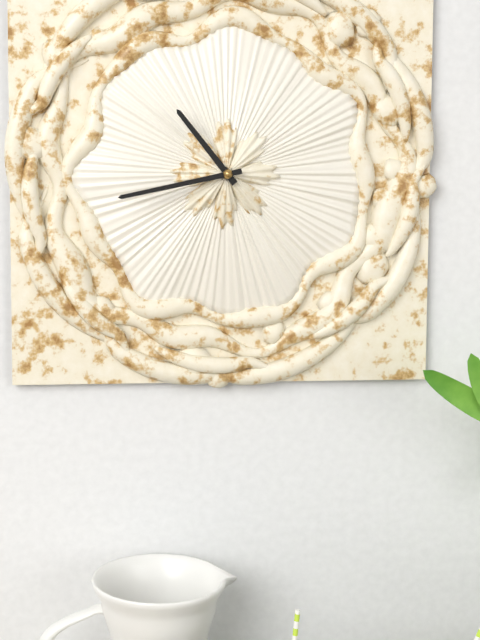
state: 10:43
